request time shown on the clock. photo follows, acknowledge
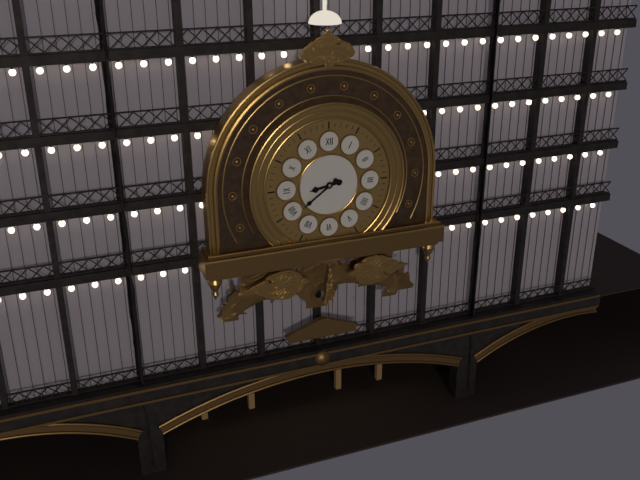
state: 8:39
